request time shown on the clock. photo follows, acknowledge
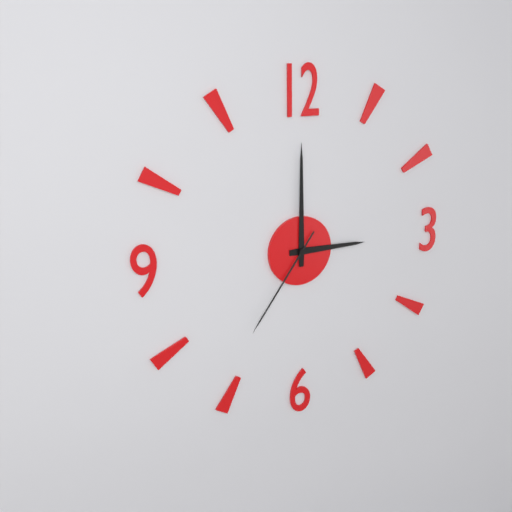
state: 3:00:36
